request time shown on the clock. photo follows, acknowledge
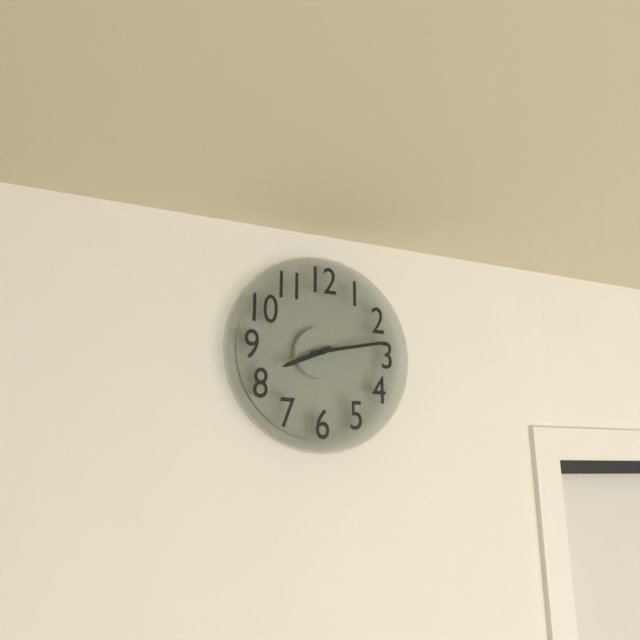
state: 8:13
